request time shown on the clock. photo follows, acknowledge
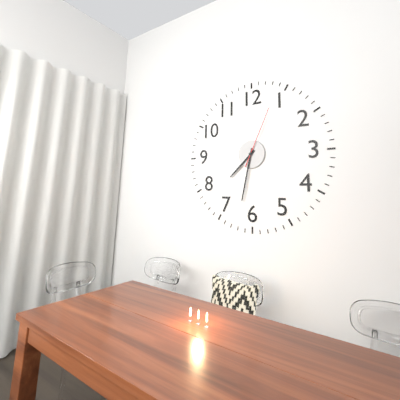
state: 7:32:04
